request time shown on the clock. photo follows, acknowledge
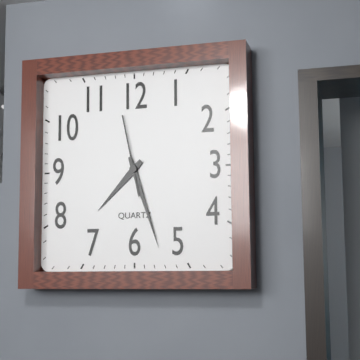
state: 7:27:58
